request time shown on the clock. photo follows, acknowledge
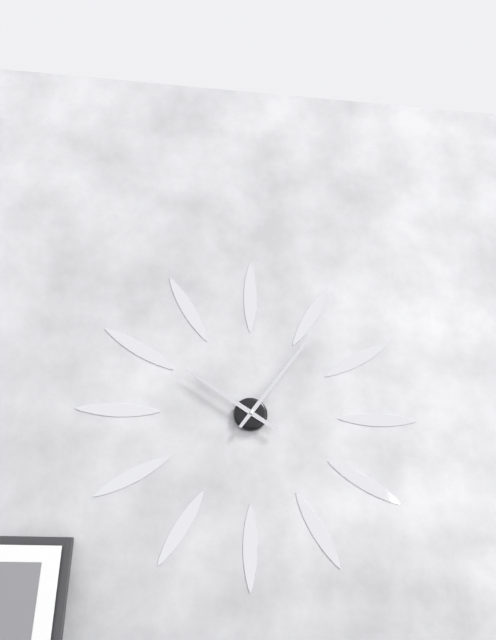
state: 10:06
